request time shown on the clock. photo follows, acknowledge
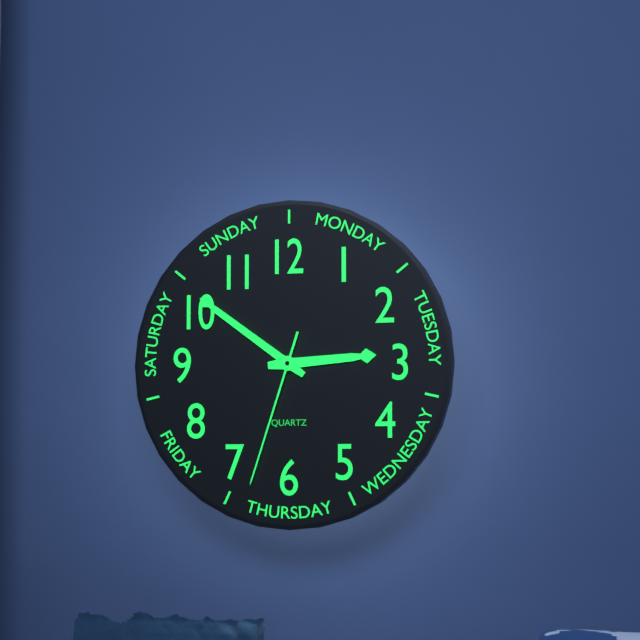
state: 2:51:33
